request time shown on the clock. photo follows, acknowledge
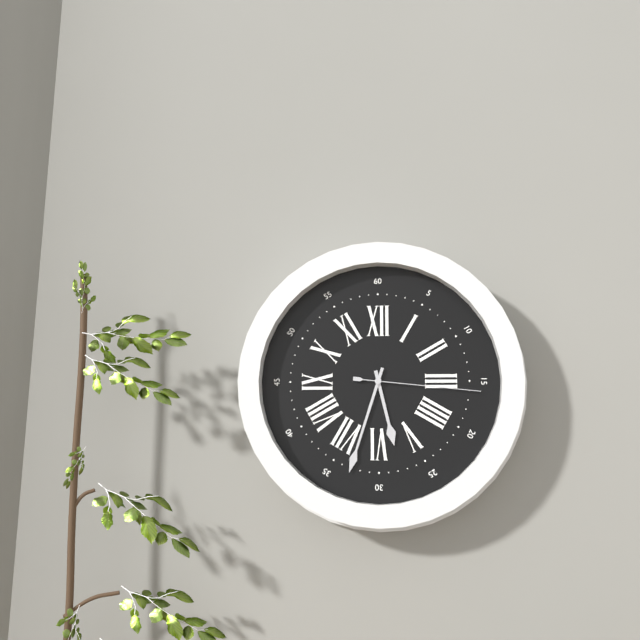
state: 5:33:16
